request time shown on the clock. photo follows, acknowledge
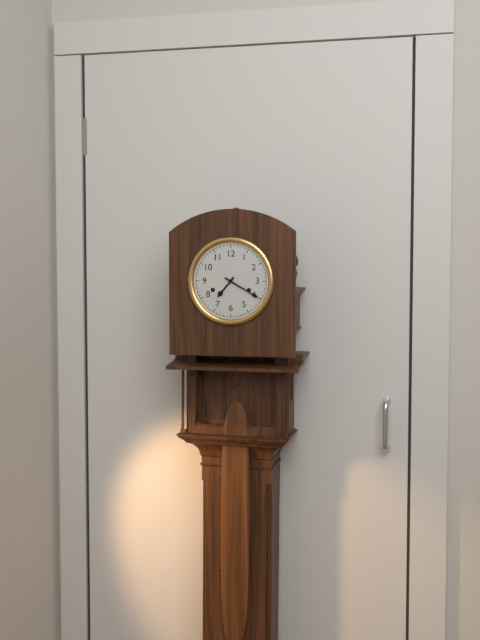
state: 7:20
